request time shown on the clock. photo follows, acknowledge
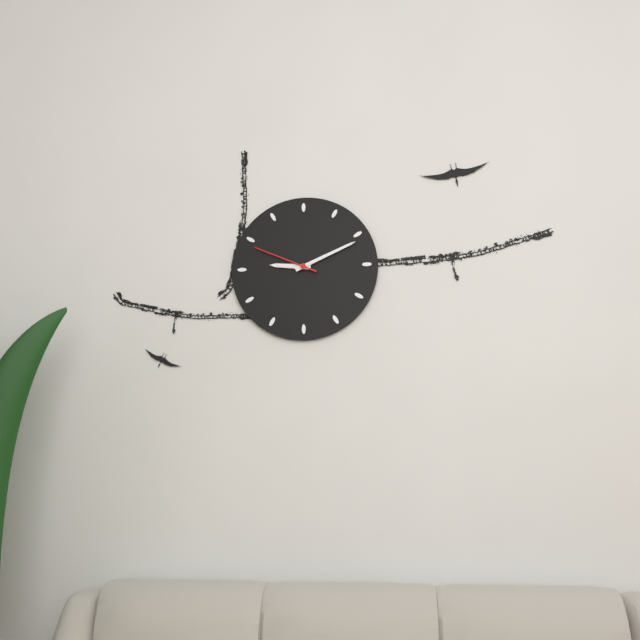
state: 9:11:49
